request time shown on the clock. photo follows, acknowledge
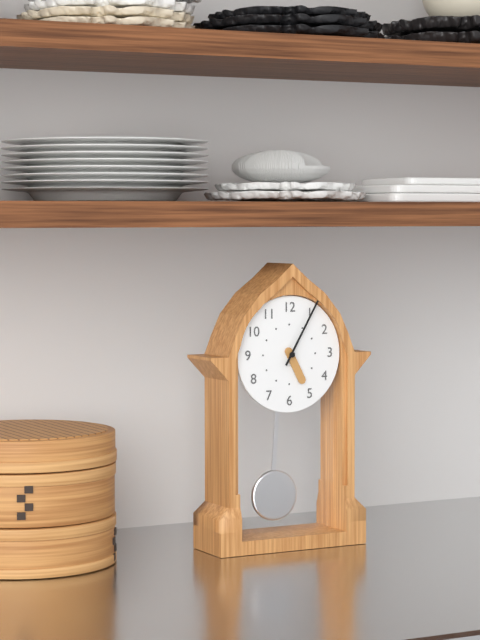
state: 5:05
